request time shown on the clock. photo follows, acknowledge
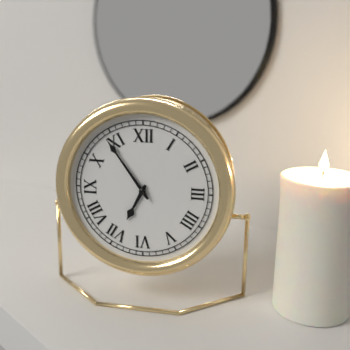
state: 6:54
